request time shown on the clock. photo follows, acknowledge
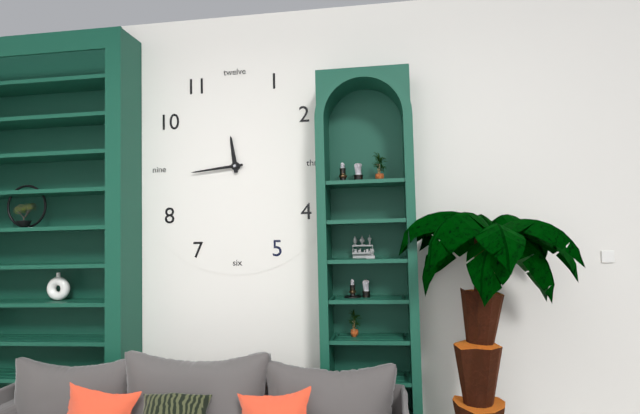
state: 11:44
